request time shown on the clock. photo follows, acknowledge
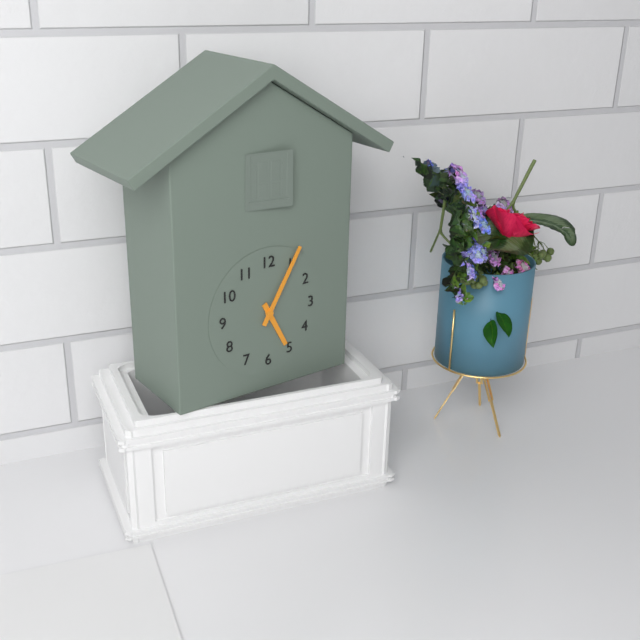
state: 5:05
